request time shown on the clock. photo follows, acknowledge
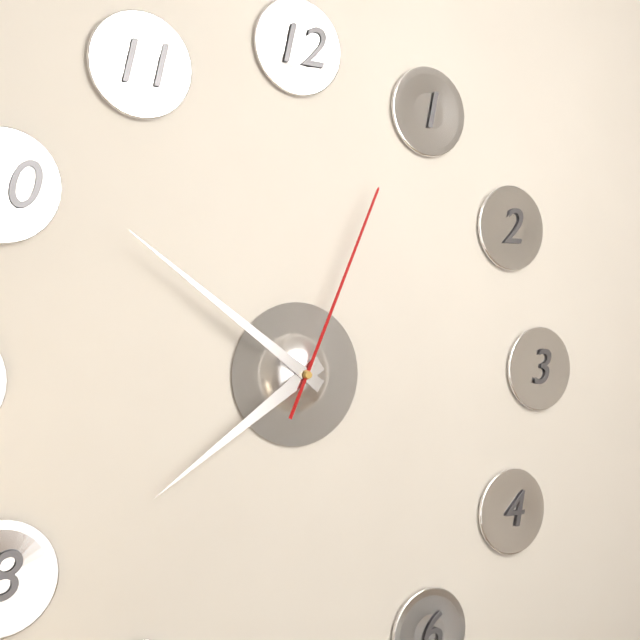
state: 7:51:04
